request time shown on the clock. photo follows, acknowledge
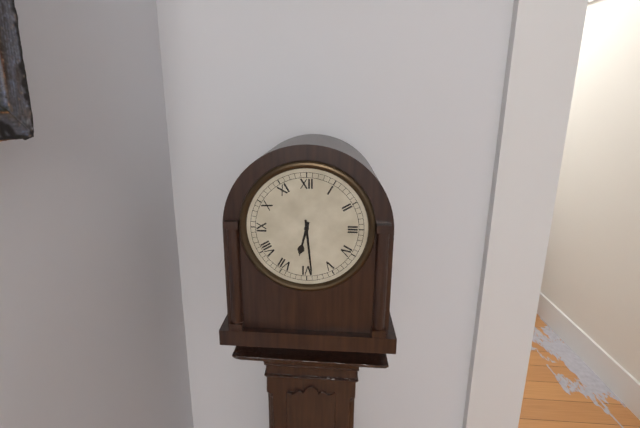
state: 6:29
